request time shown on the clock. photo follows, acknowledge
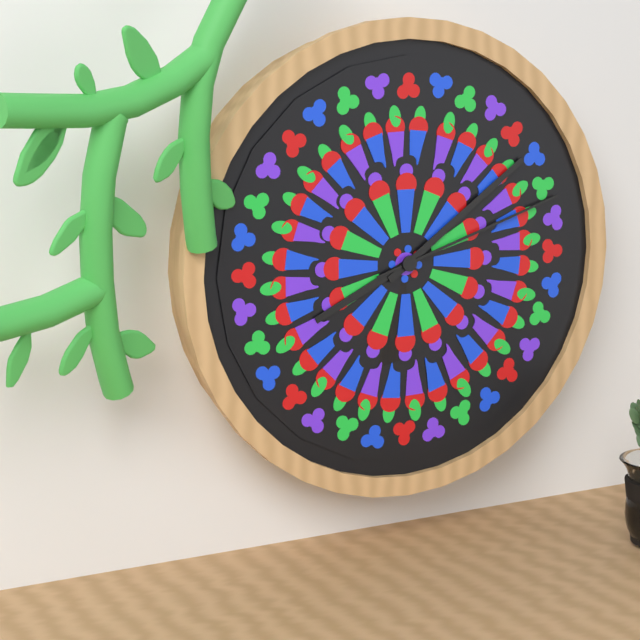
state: 8:09:12
